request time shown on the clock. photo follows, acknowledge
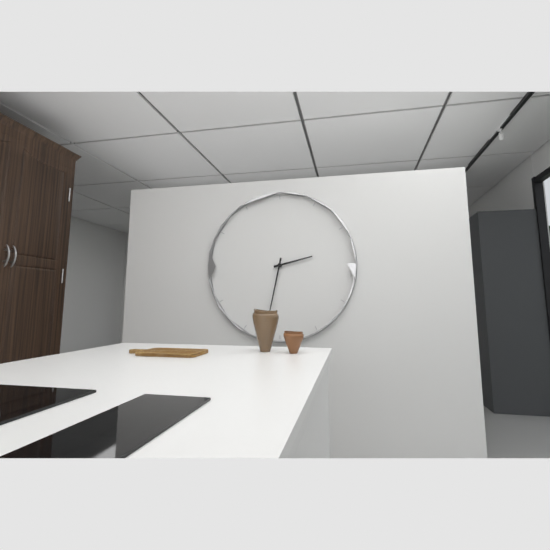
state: 2:32
